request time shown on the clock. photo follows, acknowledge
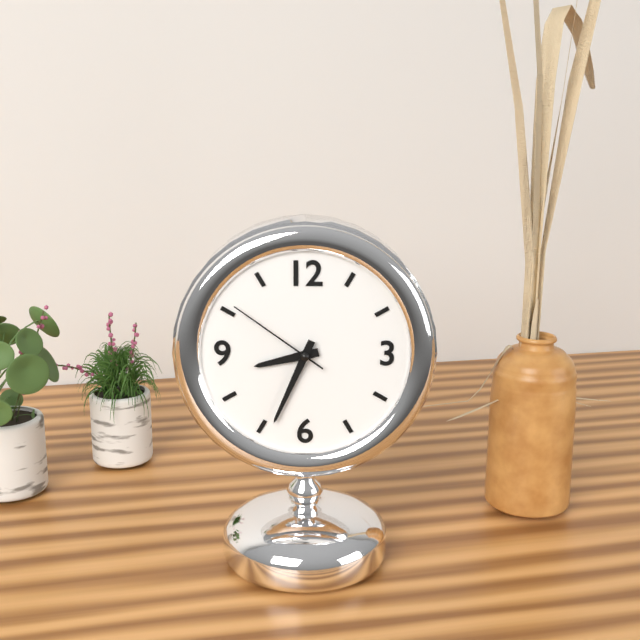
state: 8:34:51
